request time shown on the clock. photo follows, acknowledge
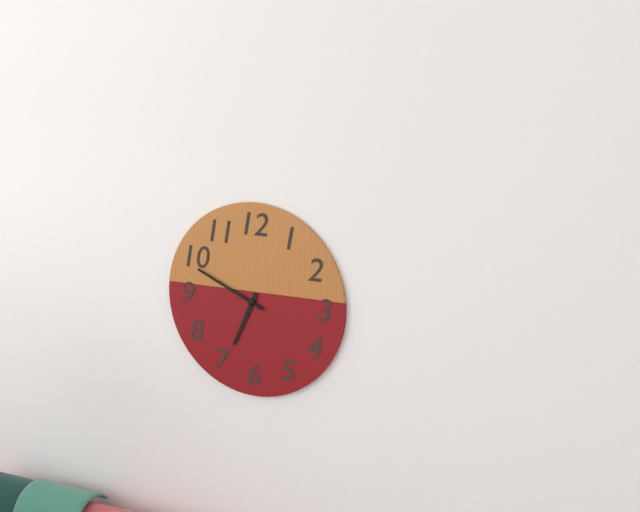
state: 6:49
